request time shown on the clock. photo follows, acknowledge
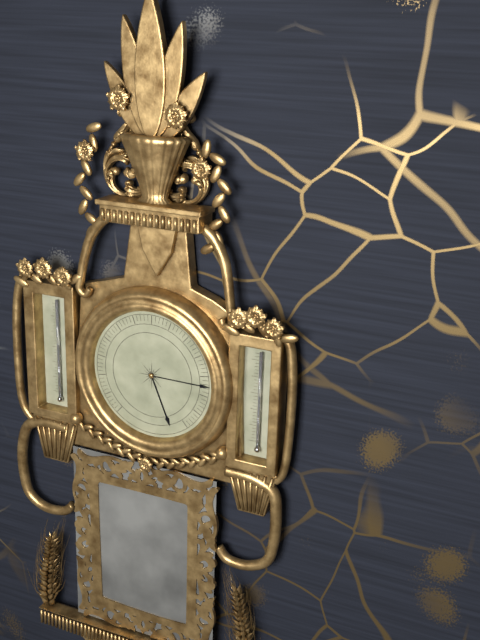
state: 5:15
